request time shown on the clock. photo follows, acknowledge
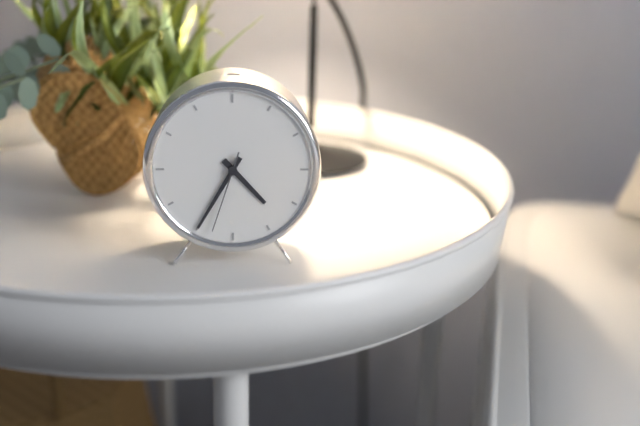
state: 4:35:33
